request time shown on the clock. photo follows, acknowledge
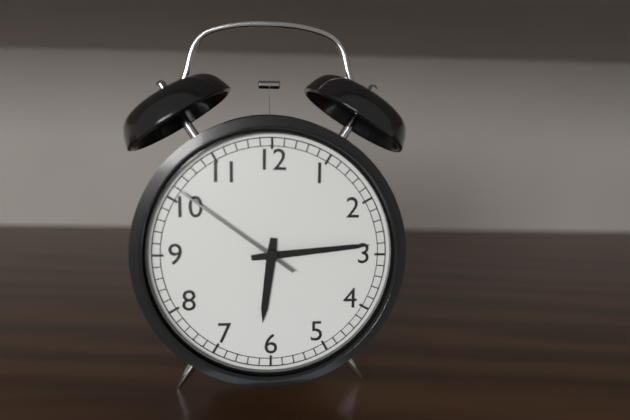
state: 6:14:51
